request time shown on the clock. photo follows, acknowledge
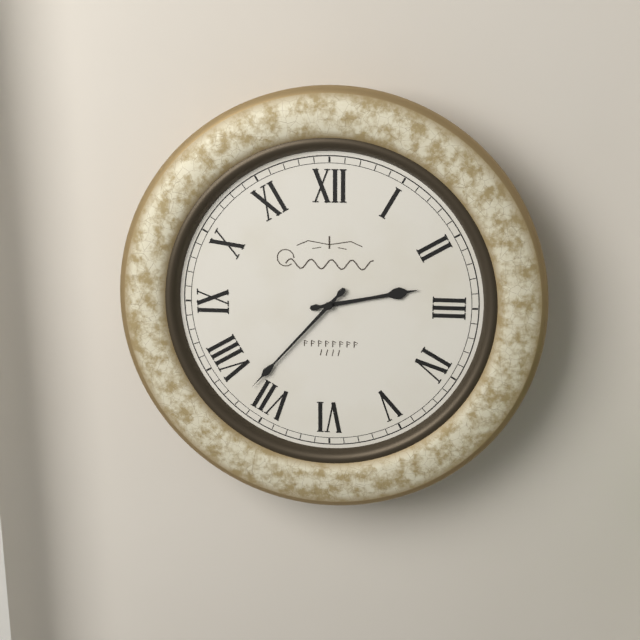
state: 2:37
